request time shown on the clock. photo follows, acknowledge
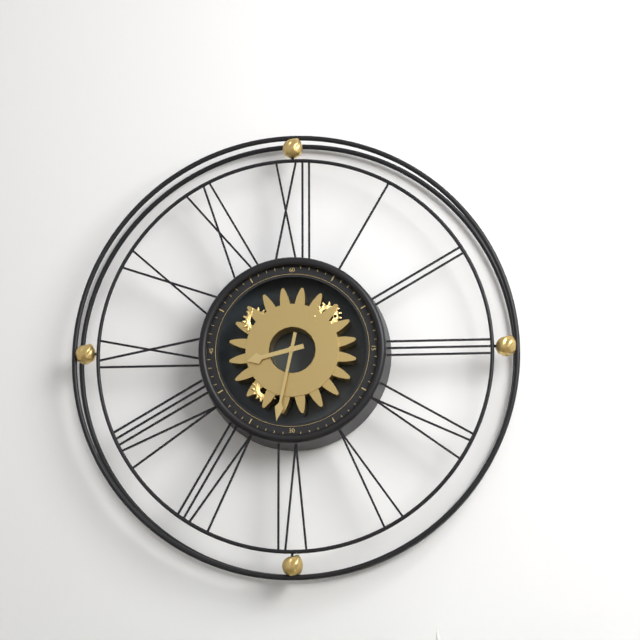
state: 8:32
